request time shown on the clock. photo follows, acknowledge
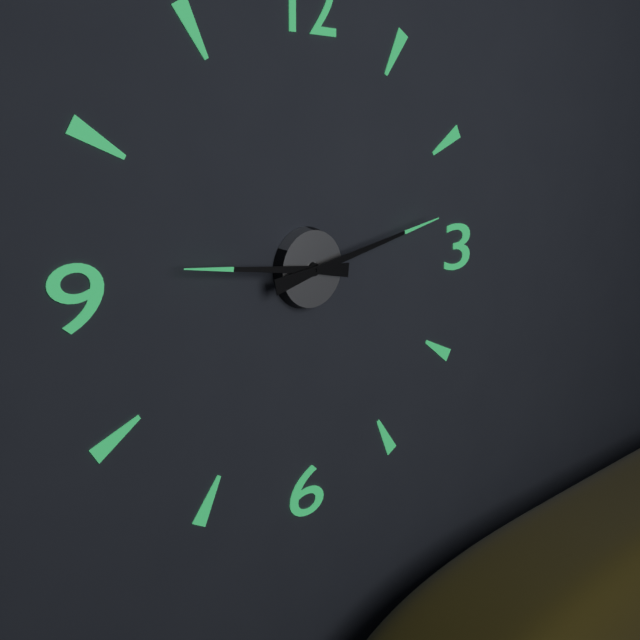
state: 9:13
